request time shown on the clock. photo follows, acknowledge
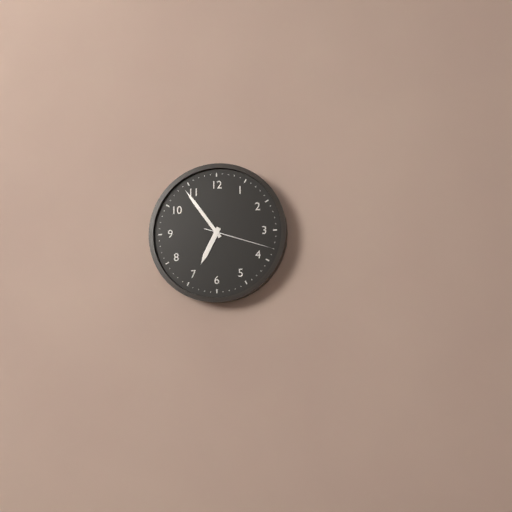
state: 6:54:18
